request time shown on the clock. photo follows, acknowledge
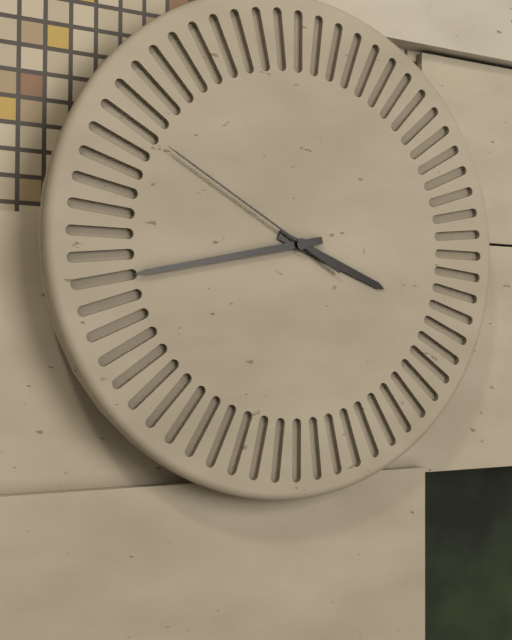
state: 3:43:50
